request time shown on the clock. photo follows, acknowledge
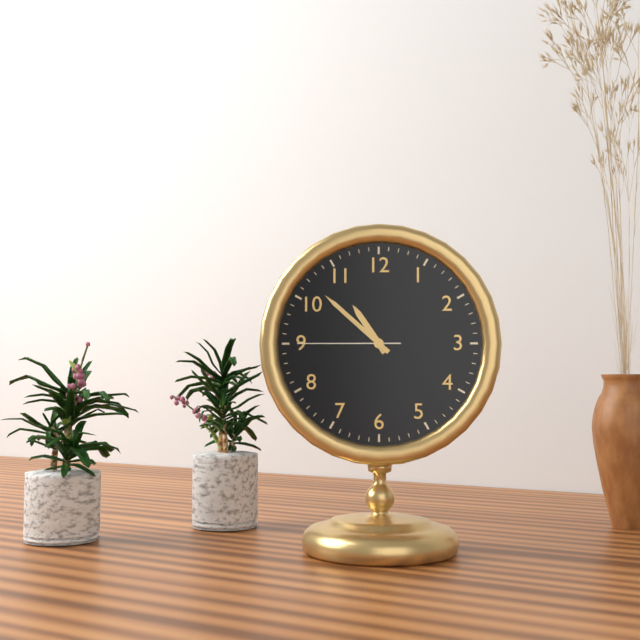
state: 10:52:45
